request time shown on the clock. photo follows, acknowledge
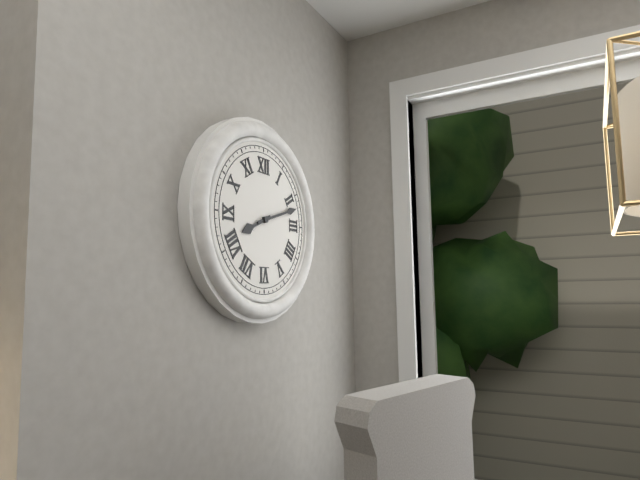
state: 8:12
